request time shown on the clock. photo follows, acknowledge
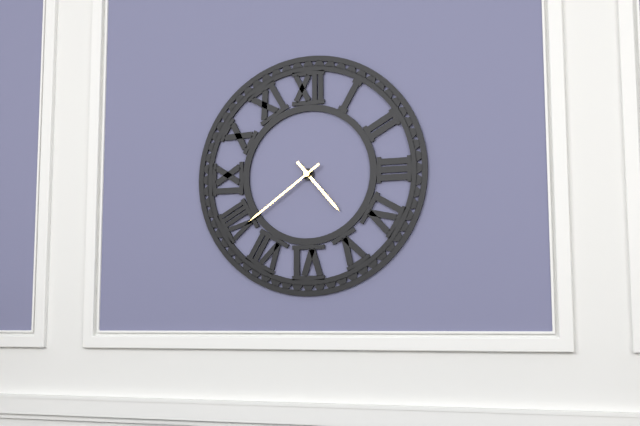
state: 4:39
